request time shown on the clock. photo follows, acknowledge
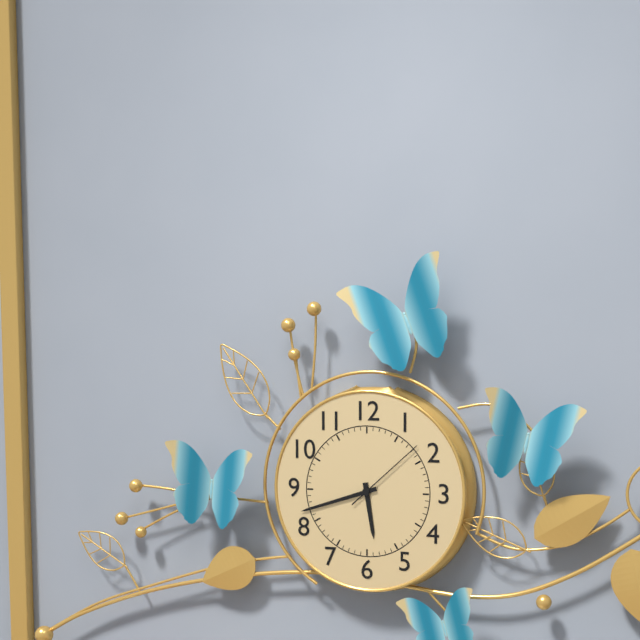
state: 5:42:08
